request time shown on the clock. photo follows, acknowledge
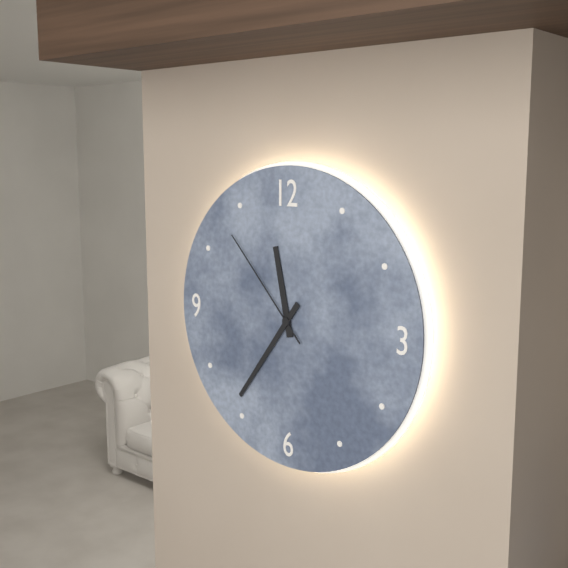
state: 11:36:53
